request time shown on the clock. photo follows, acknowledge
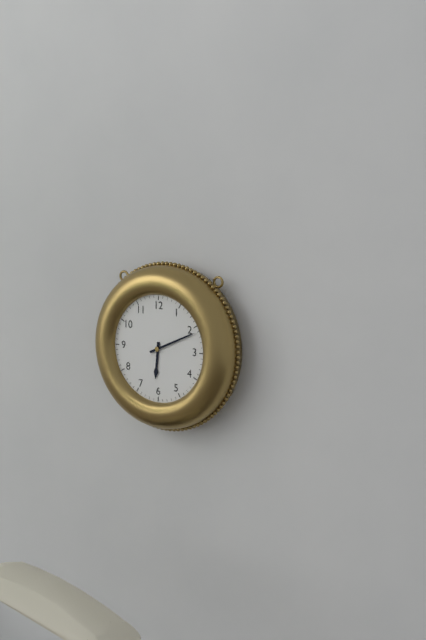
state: 6:11
